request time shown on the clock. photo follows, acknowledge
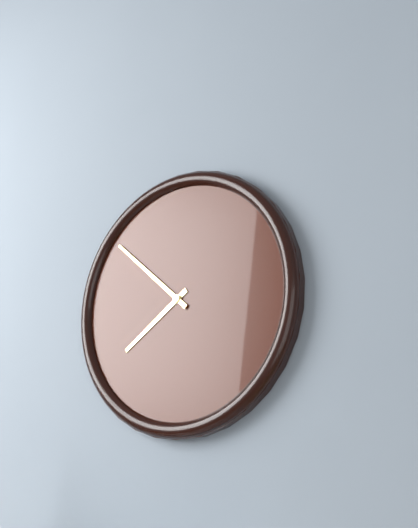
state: 7:52
